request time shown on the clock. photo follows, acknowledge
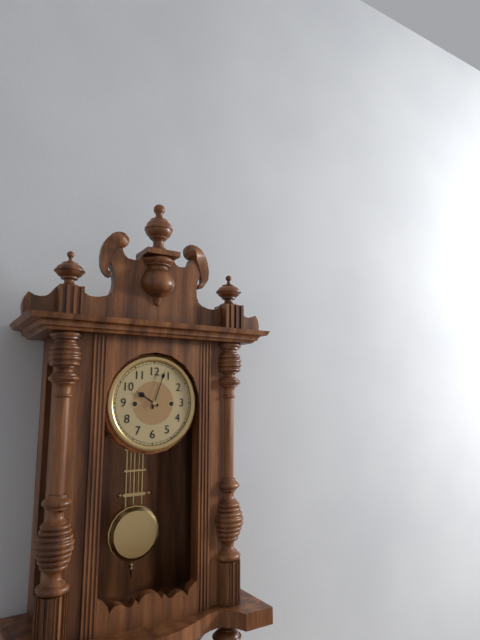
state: 10:03
